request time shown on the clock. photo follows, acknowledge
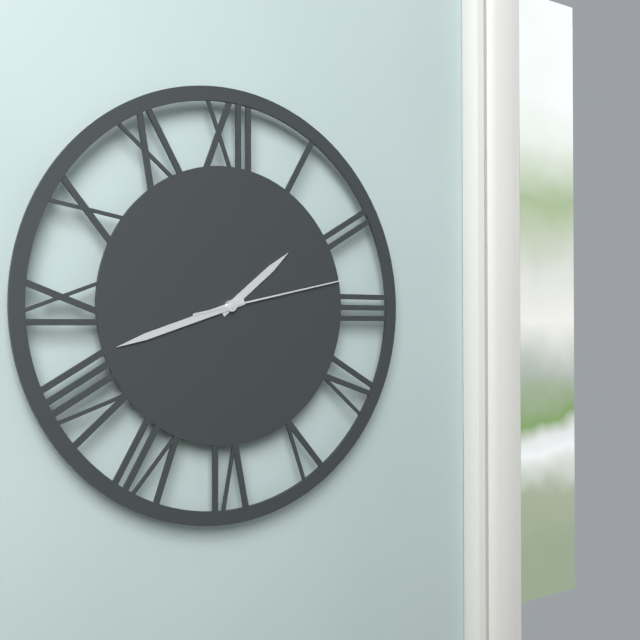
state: 1:42:13
